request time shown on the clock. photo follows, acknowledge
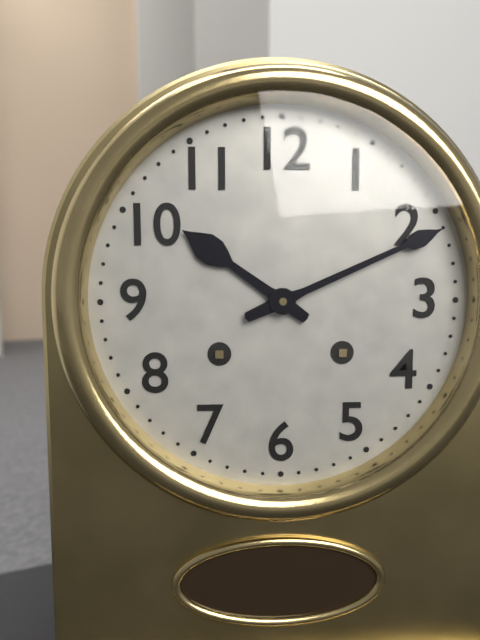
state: 10:11
